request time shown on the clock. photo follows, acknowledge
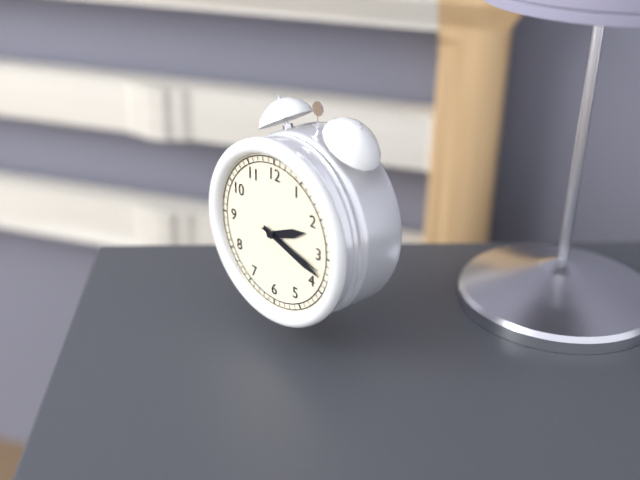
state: 2:18:17
